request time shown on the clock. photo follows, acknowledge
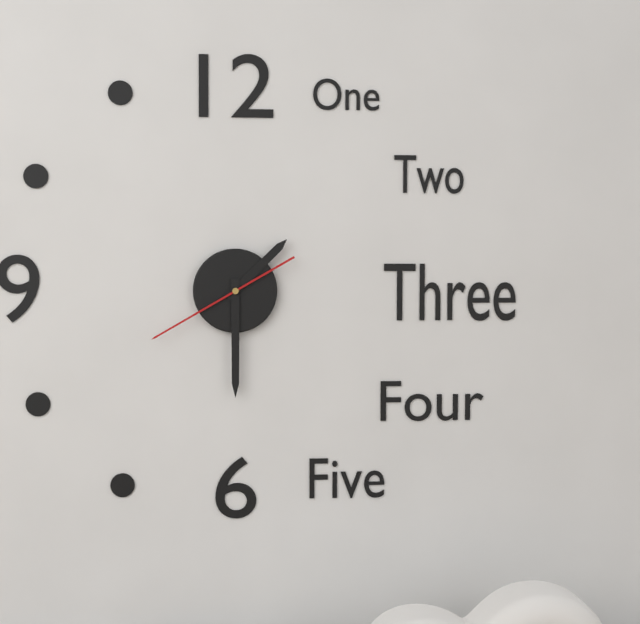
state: 1:30:40
